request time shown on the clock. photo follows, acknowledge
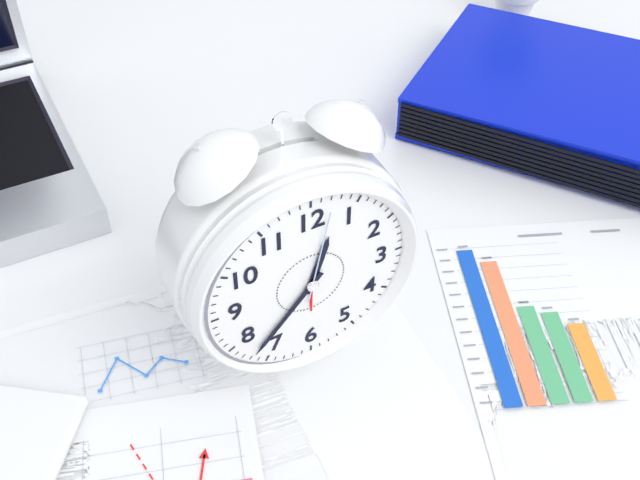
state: 12:37:02
